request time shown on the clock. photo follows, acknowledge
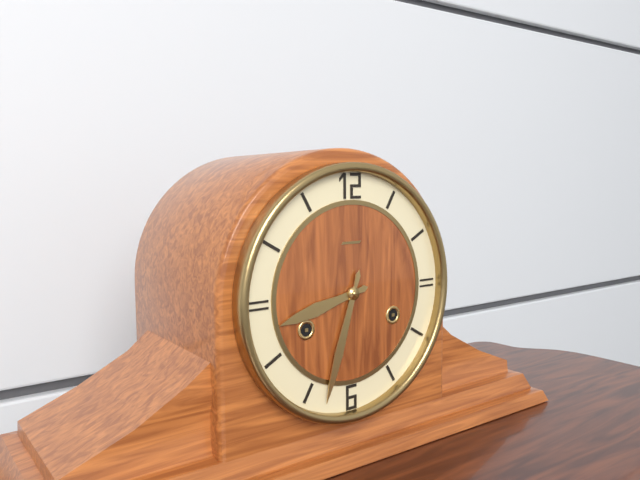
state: 8:33
